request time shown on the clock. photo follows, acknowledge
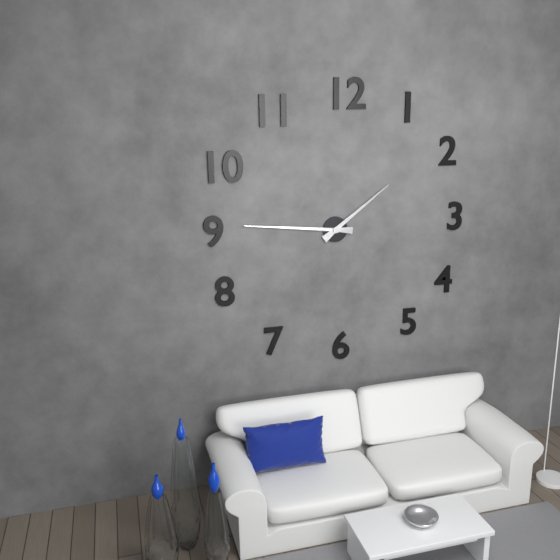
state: 1:46
